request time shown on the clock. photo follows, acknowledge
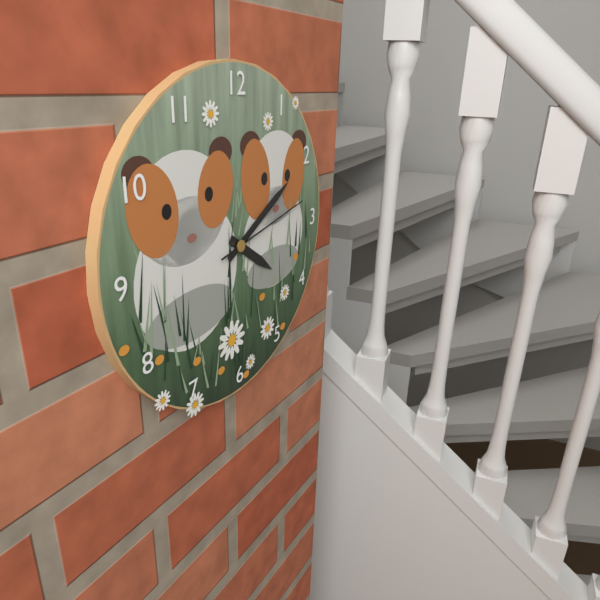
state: 4:10:13
